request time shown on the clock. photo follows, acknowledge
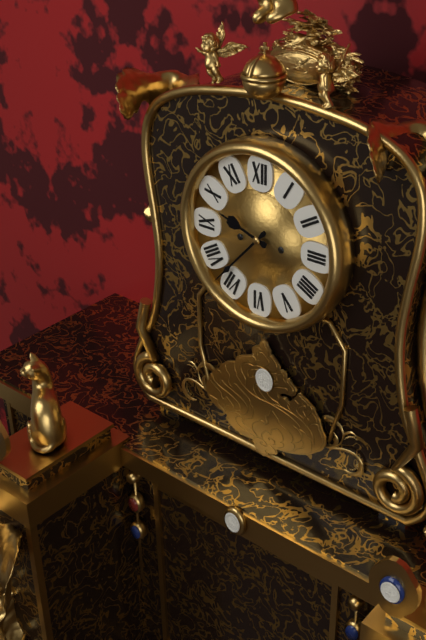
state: 9:37
